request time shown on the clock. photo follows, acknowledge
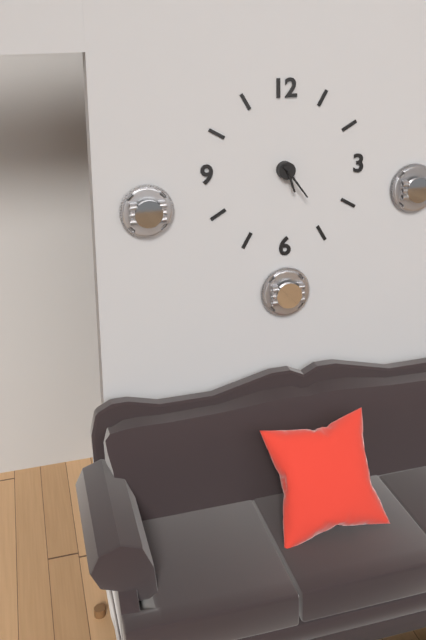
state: 5:24
